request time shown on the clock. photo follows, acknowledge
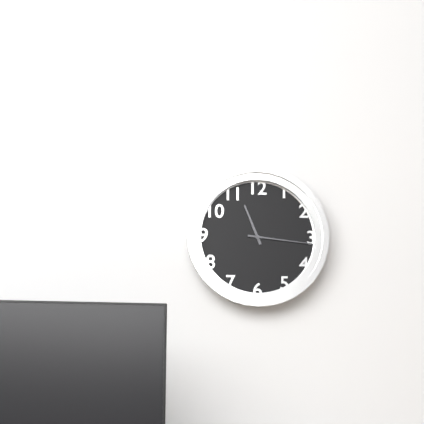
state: 11:16
